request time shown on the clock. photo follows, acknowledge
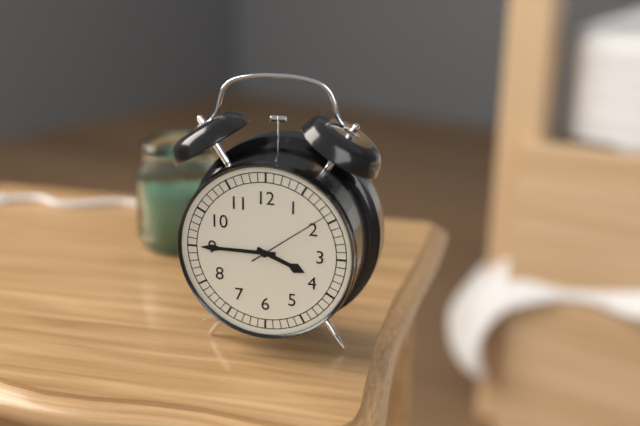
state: 3:45:09
